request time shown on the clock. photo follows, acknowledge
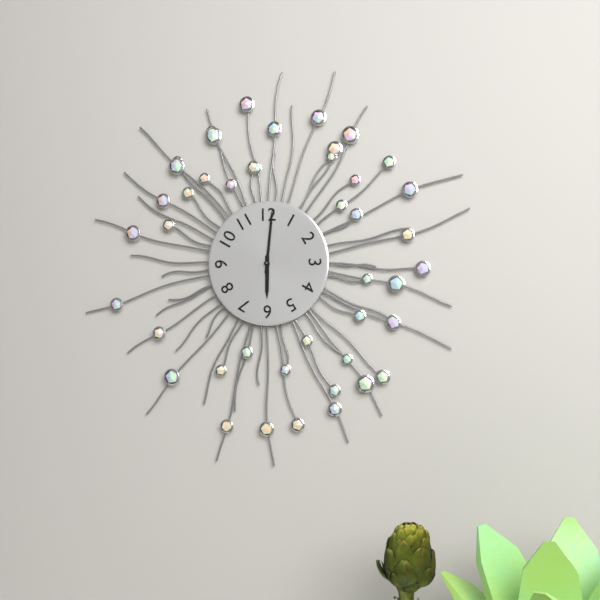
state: 6:01
